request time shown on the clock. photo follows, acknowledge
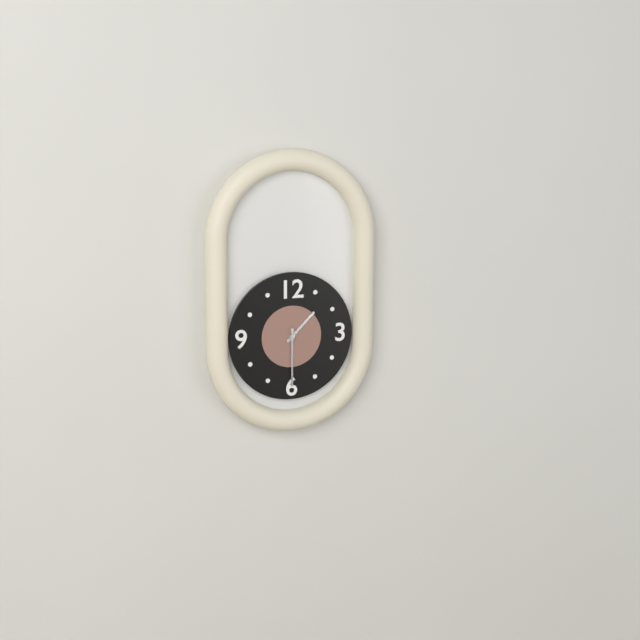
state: 1:30
